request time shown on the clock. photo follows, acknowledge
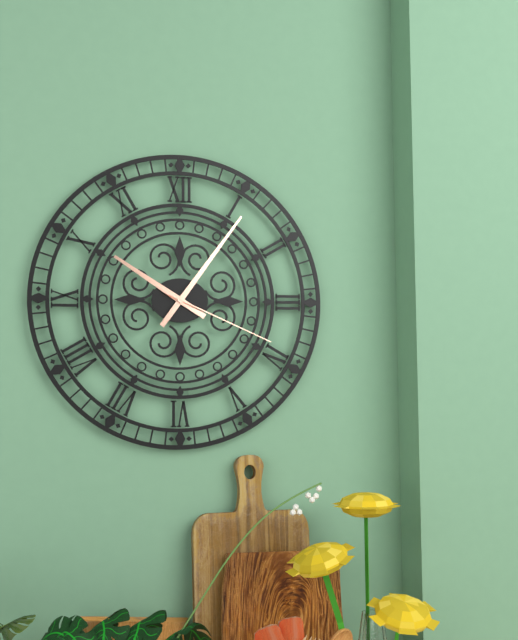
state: 10:06:19
